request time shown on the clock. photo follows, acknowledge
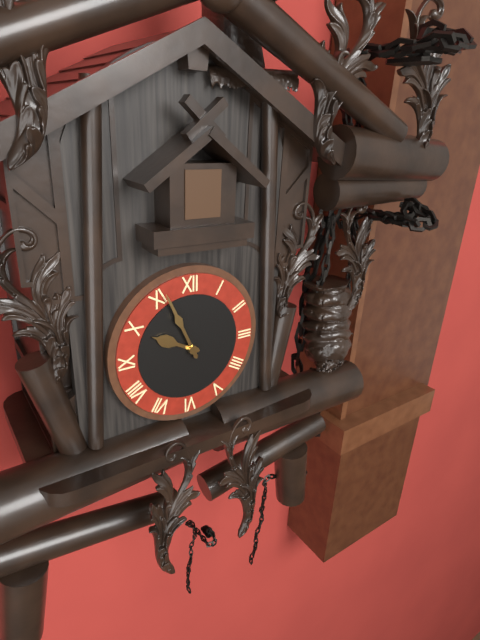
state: 9:56
